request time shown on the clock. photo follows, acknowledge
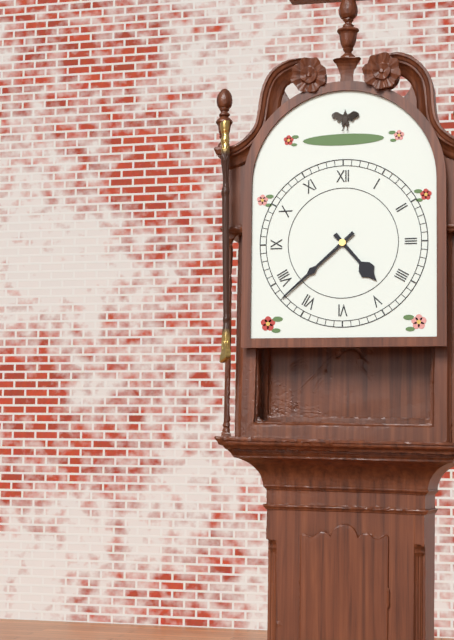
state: 4:38
